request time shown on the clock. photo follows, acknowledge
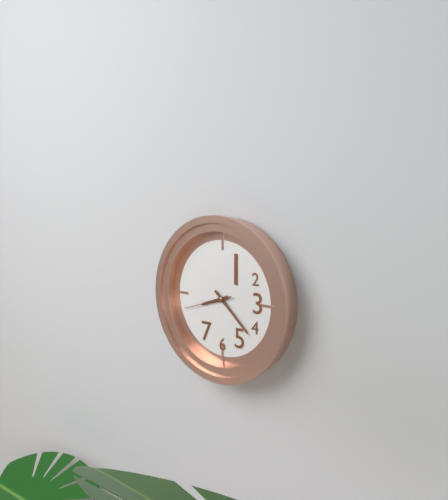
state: 8:22
